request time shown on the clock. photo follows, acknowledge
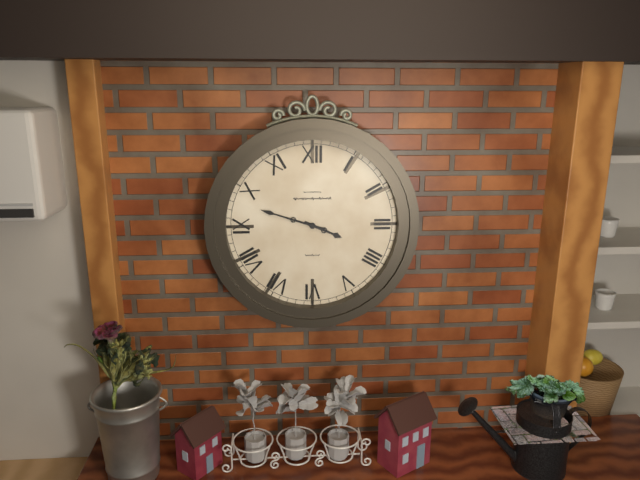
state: 3:48
